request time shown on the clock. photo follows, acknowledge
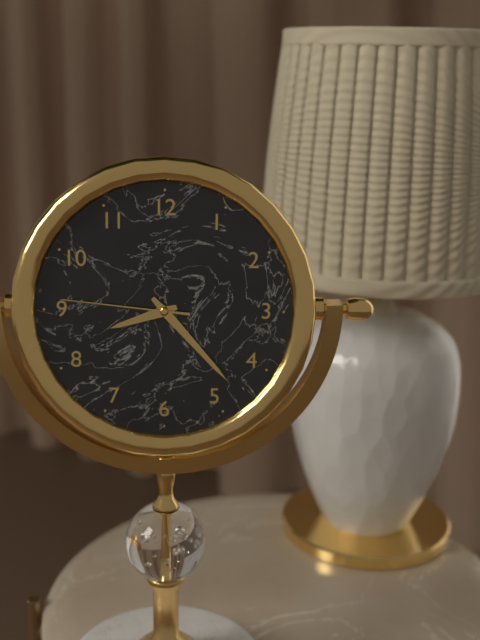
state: 8:23:46
